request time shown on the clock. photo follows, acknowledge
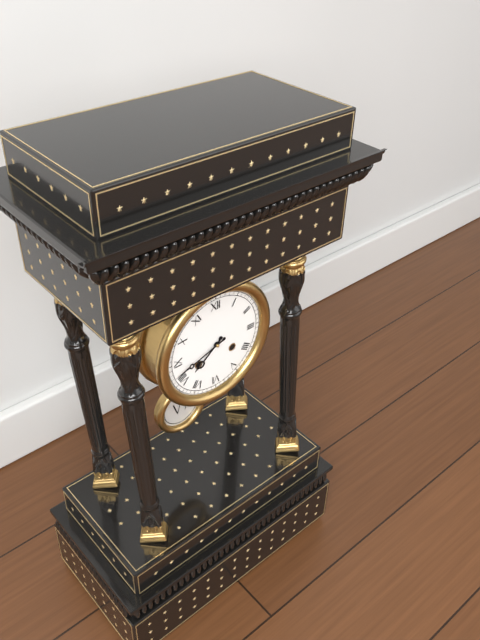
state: 7:42
